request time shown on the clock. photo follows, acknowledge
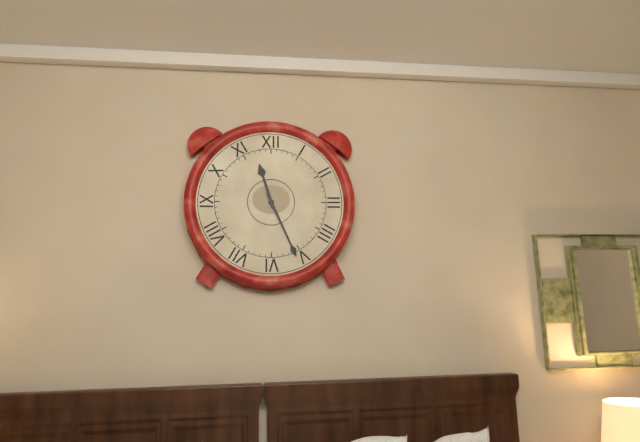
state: 11:26
